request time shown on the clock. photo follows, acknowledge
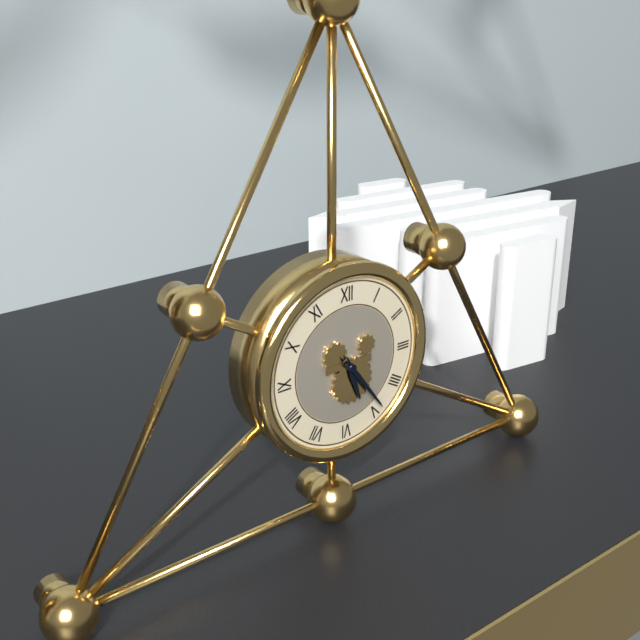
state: 5:24
